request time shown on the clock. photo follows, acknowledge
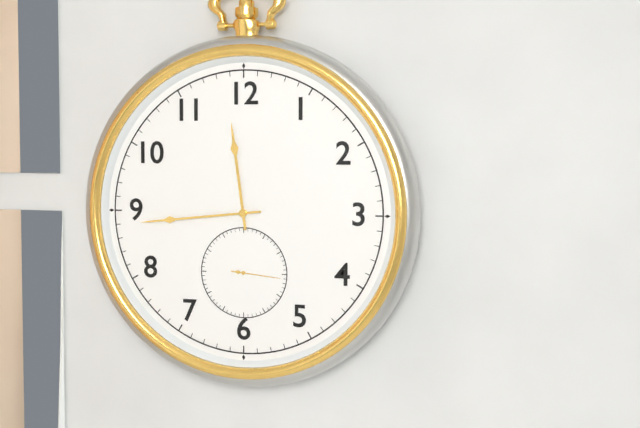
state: 11:44
